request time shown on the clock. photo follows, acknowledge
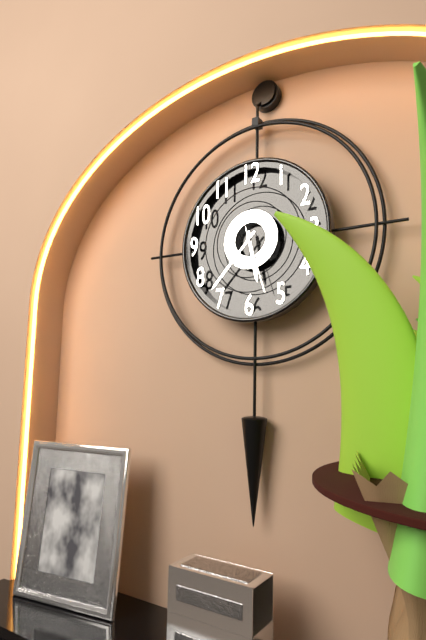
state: 5:37:27
